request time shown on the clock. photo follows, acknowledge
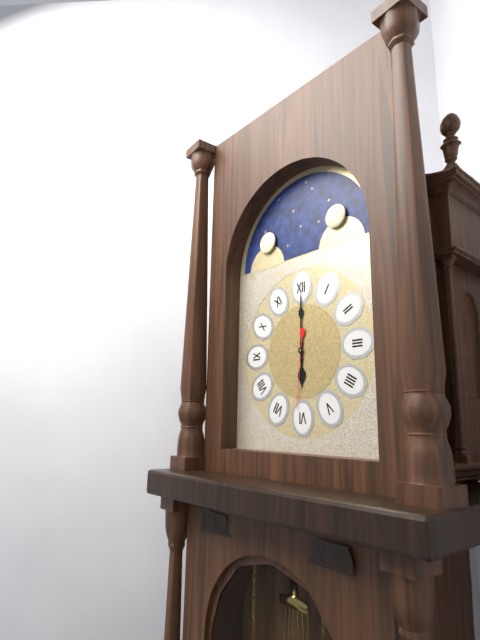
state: 6:00:31
